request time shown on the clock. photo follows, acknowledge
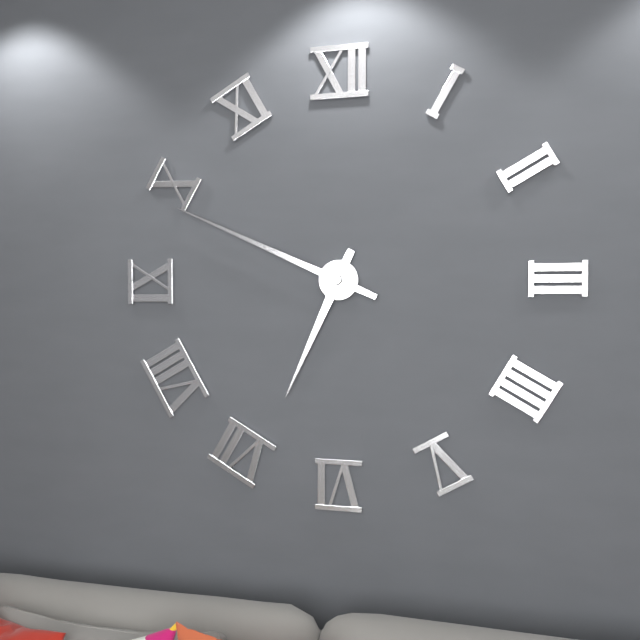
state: 6:49
